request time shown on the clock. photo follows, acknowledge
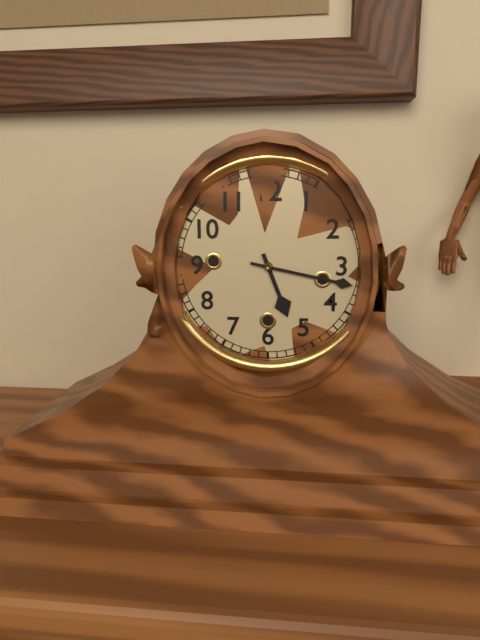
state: 5:17
